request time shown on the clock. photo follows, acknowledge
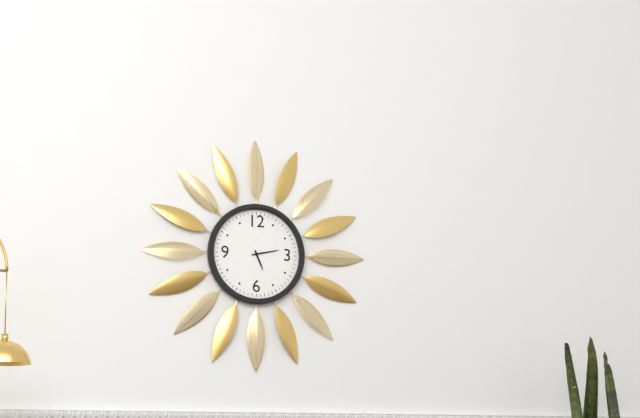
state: 5:13
